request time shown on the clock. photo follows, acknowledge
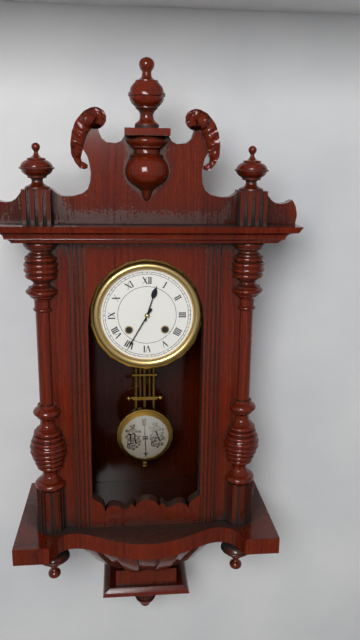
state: 12:35
